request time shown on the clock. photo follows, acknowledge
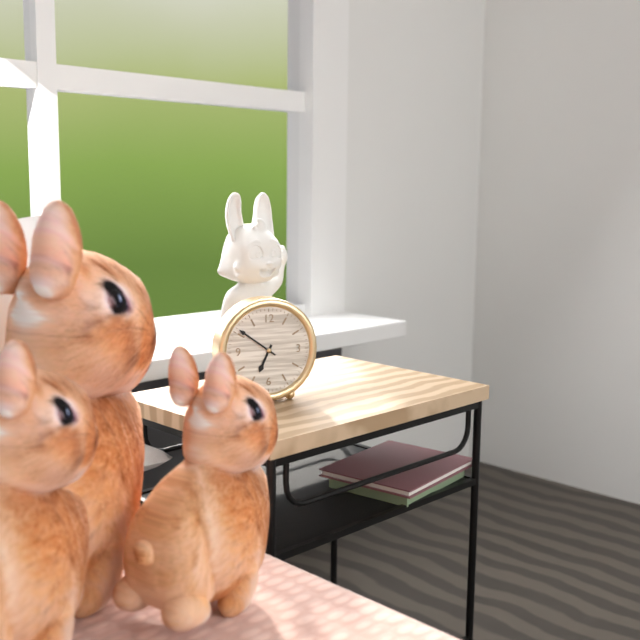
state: 6:51
